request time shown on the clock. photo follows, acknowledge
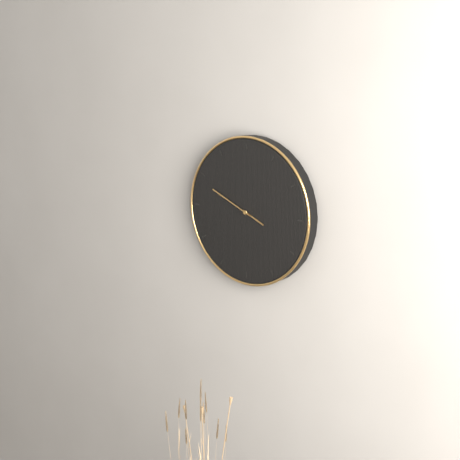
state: 3:49
